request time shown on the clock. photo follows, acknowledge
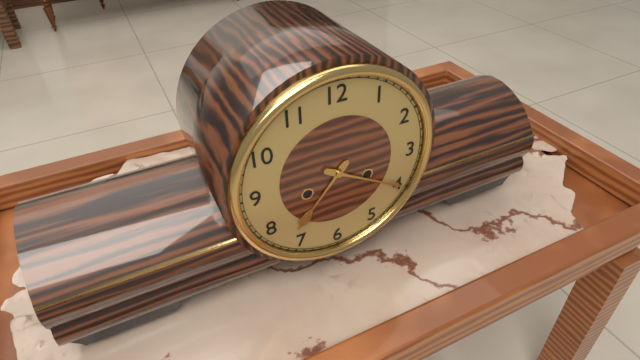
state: 7:20
